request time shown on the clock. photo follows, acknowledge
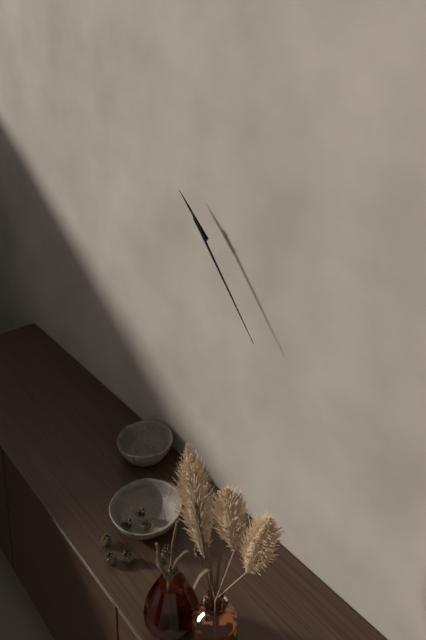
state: 10:23
